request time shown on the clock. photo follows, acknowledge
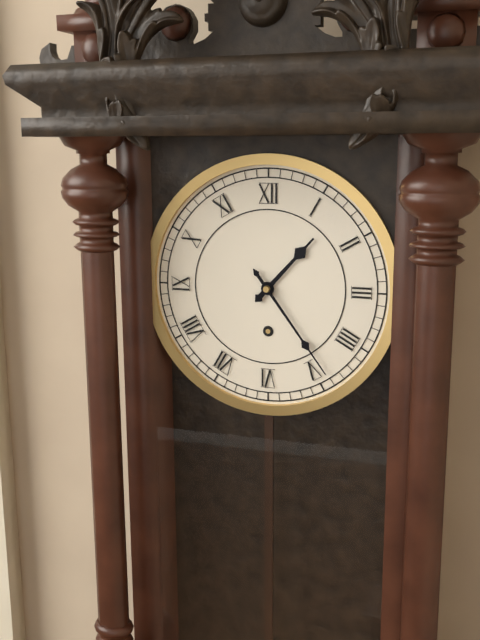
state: 1:24
